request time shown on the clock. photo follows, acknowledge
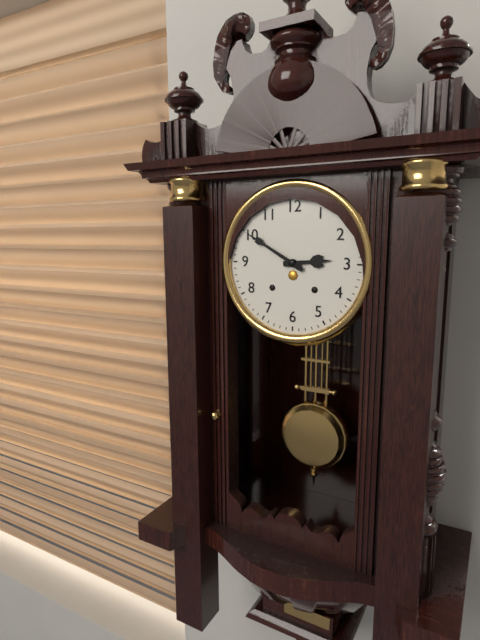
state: 2:50
